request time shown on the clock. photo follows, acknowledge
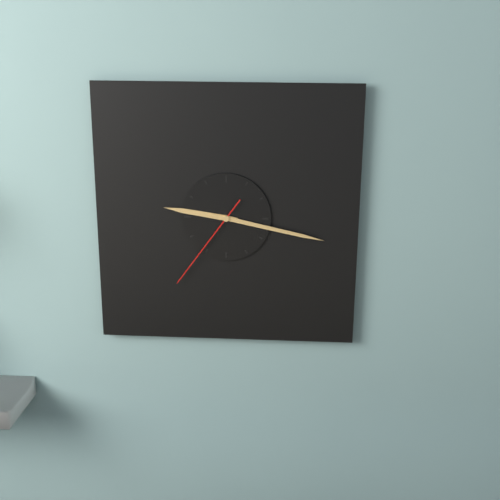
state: 9:17:36
